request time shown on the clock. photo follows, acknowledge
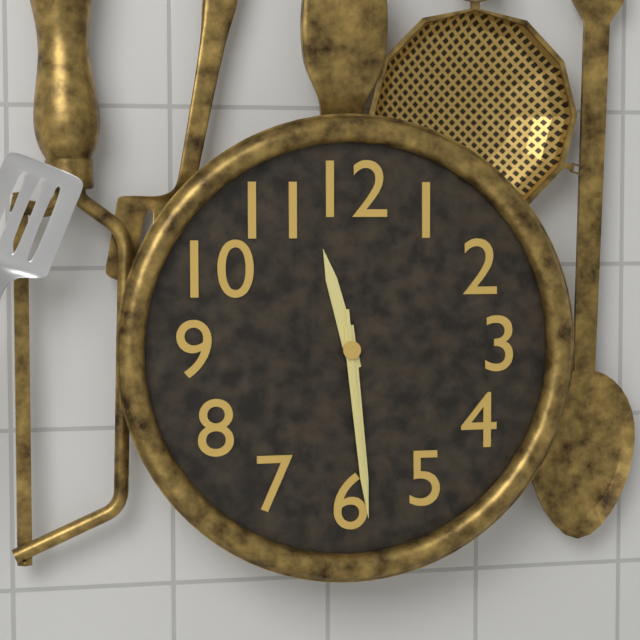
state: 11:29:29
